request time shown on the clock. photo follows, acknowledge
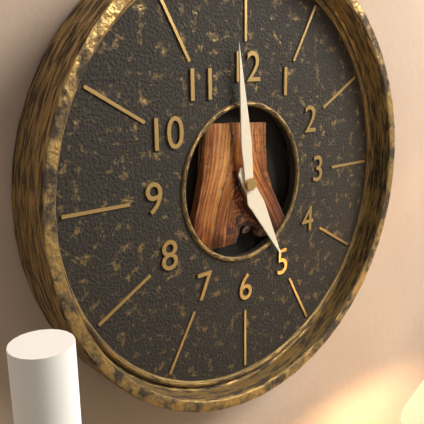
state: 4:59
